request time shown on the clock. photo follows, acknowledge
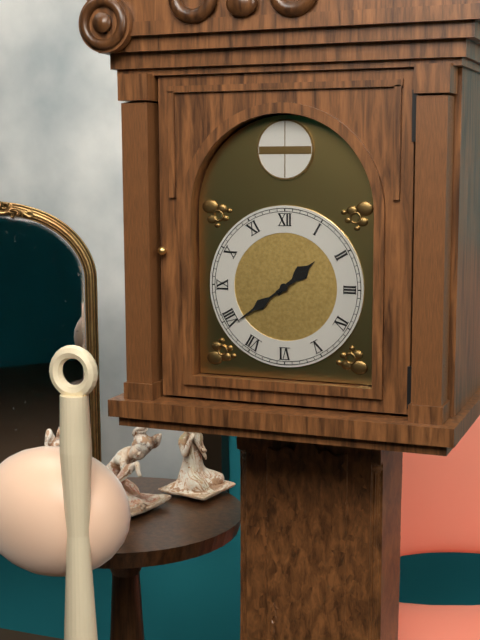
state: 1:39
